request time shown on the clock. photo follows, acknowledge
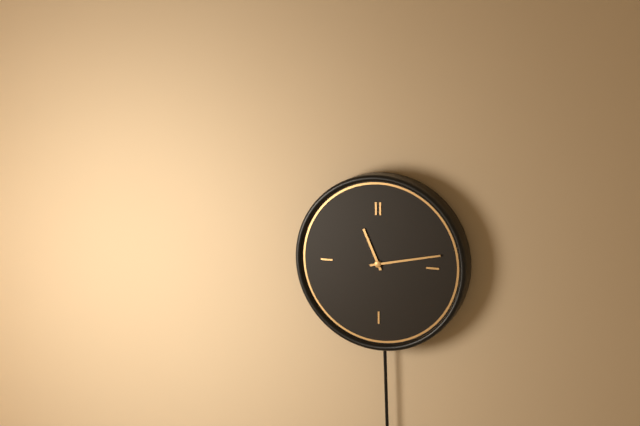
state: 11:13
